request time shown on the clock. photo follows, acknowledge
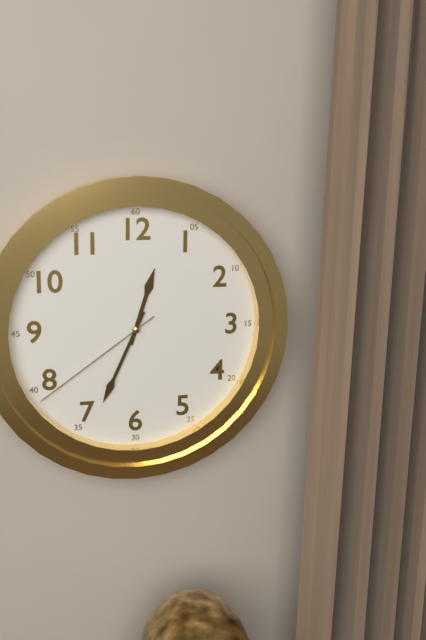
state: 12:34:39
